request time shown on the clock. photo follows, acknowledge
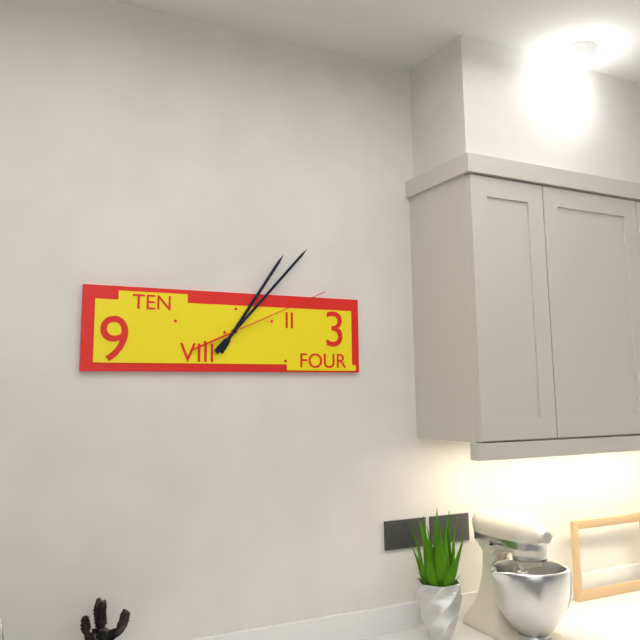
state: 1:07:11
